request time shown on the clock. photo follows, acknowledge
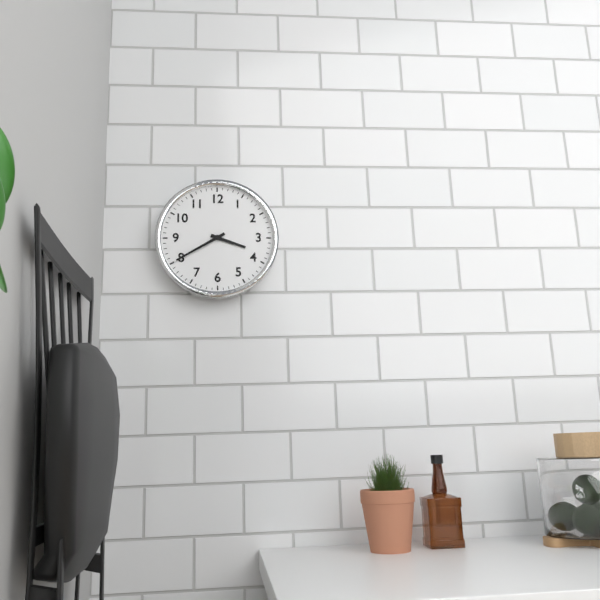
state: 3:40
